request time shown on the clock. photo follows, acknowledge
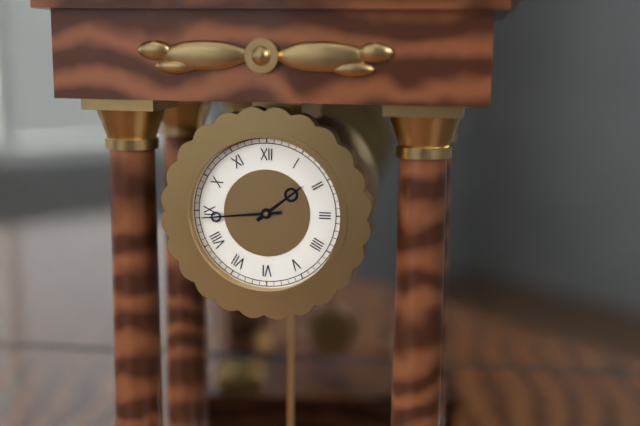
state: 1:44
